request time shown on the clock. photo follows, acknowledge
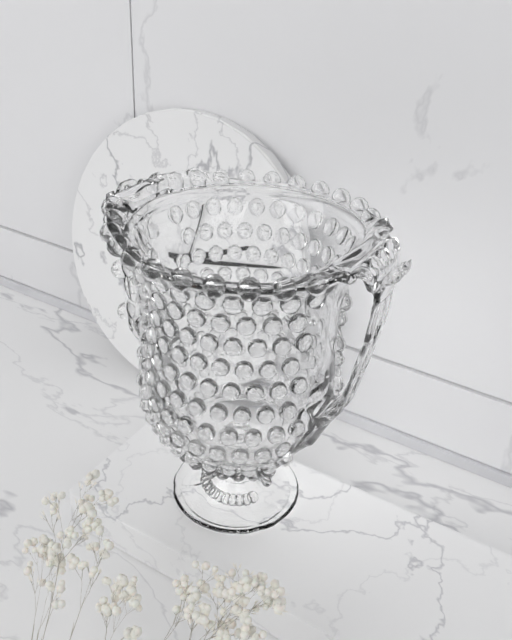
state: 2:13:04
